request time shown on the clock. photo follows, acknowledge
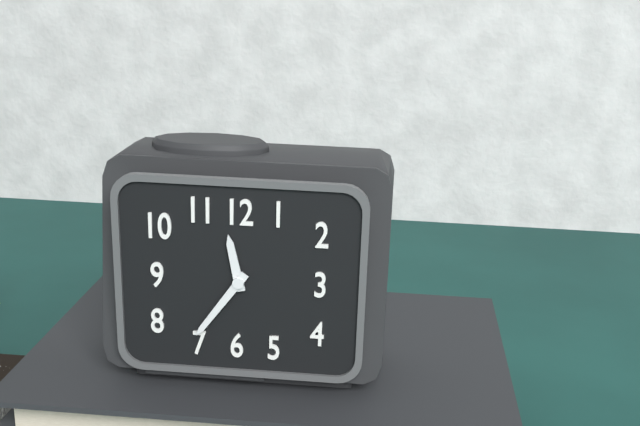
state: 11:36
